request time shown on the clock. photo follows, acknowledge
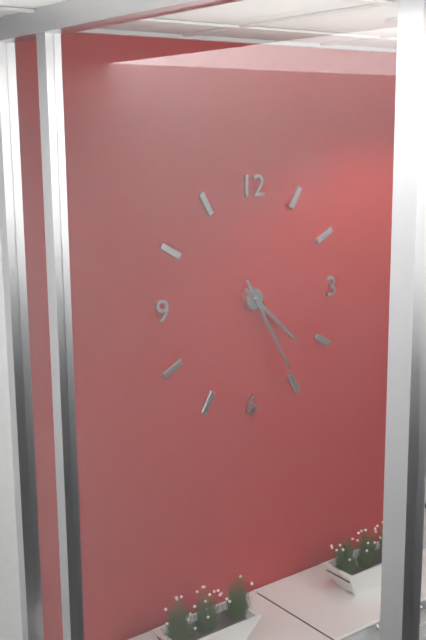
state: 4:25
